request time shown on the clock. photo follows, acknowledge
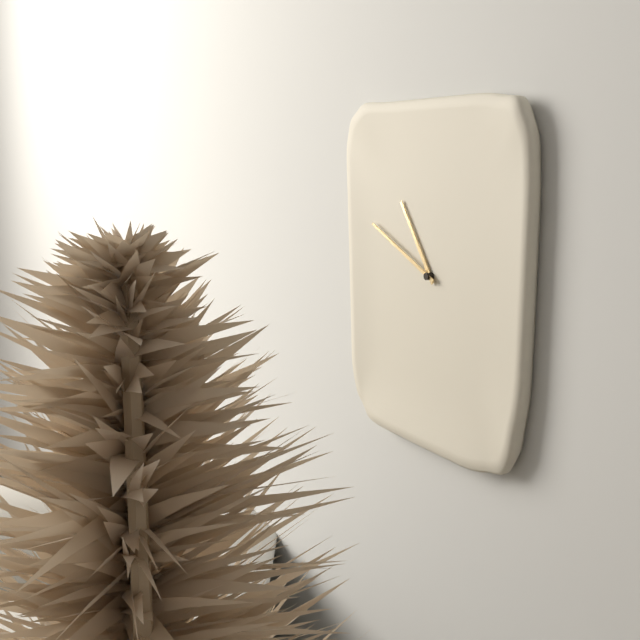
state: 10:49
